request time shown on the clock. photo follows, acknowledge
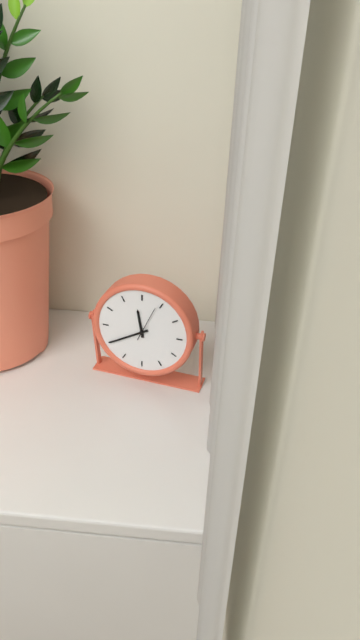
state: 11:40
